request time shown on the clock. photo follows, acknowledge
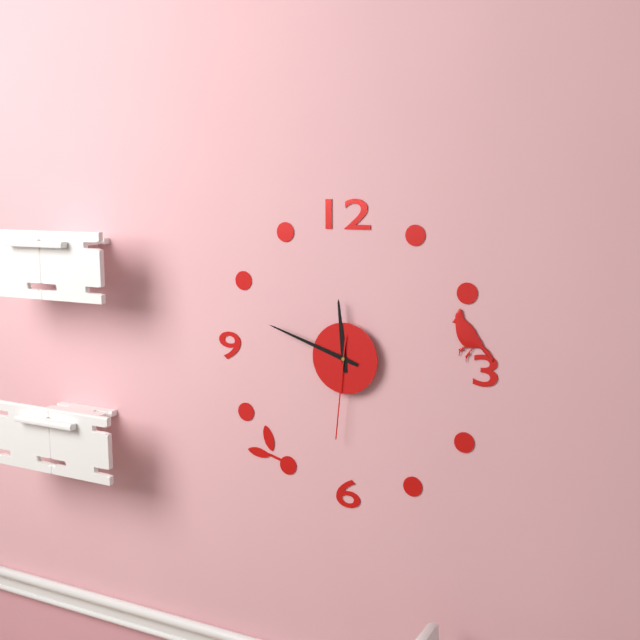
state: 11:48:31
